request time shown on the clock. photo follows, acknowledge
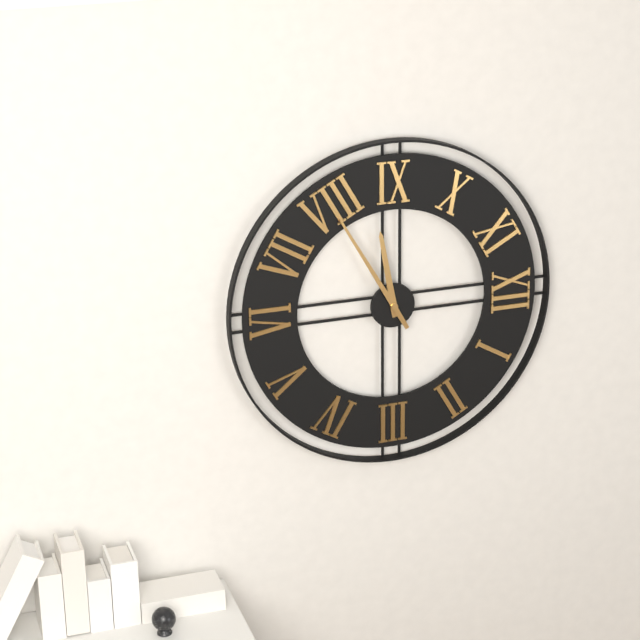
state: 8:40
